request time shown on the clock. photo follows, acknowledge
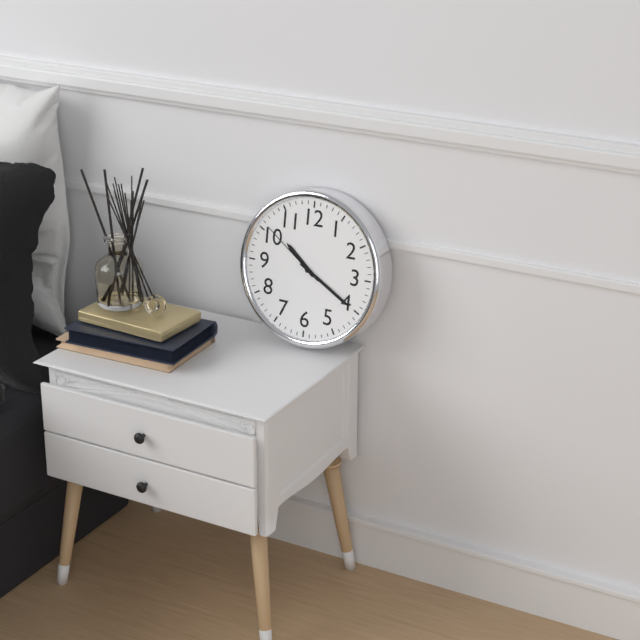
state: 10:20:51
